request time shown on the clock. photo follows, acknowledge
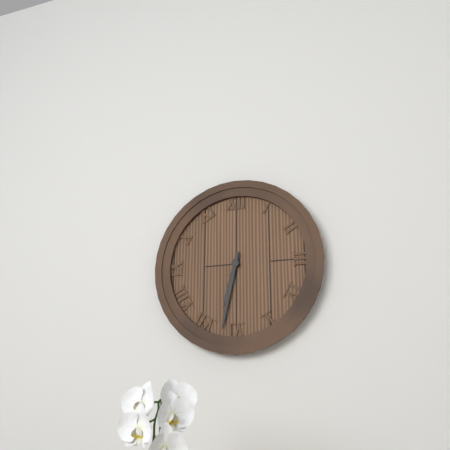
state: 6:32
